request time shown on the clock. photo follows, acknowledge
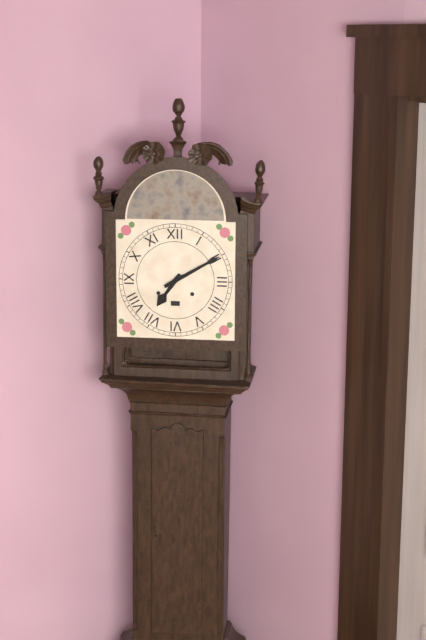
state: 7:10
